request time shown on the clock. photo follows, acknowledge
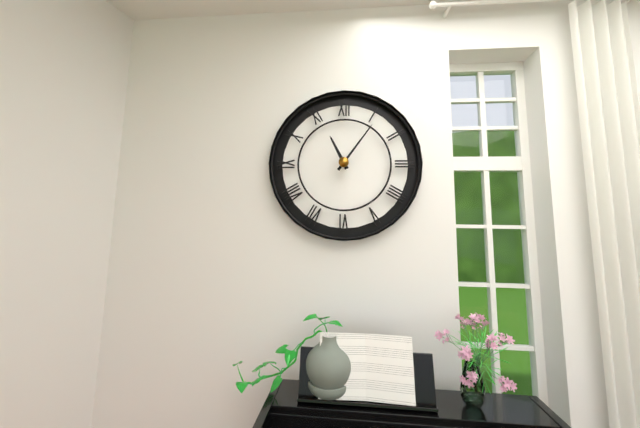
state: 11:06
